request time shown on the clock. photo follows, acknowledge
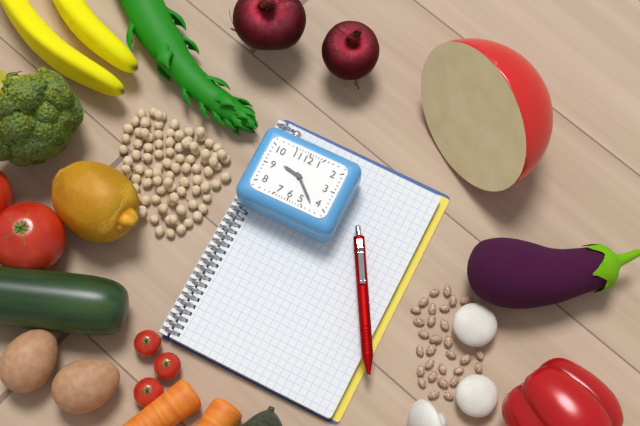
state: 9:22
